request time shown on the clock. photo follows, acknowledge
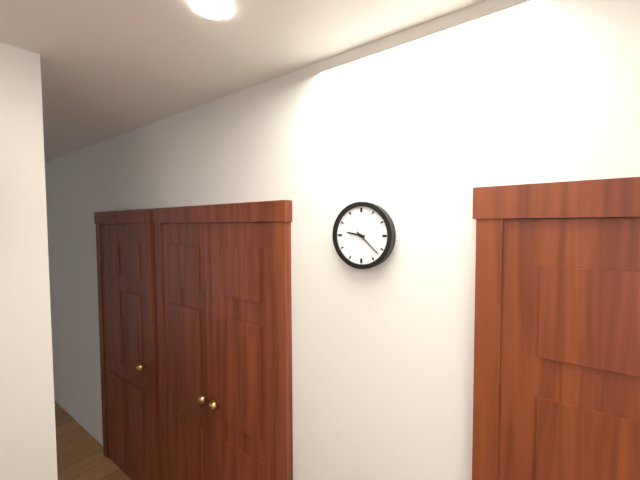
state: 9:22
